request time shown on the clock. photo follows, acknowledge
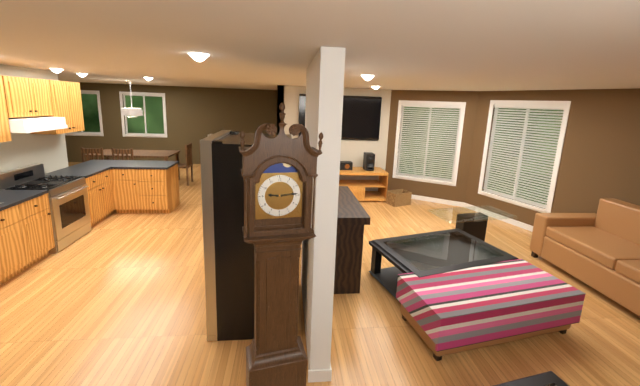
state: 9:14
